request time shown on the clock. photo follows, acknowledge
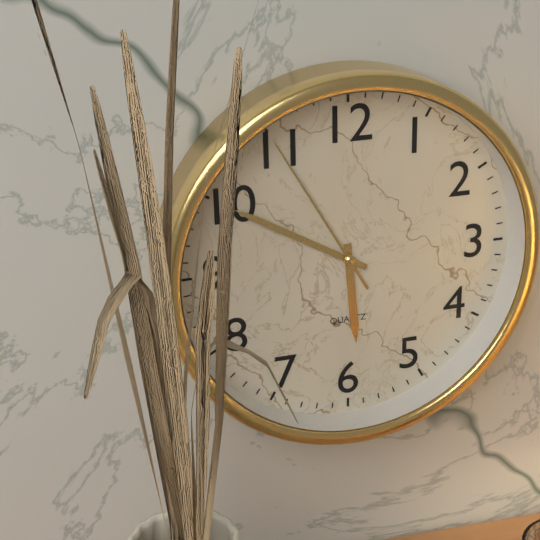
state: 5:50:55
